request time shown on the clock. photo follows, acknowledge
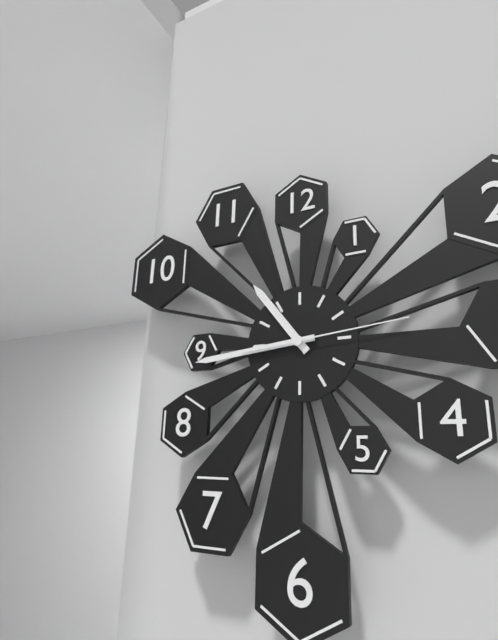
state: 10:44:14
